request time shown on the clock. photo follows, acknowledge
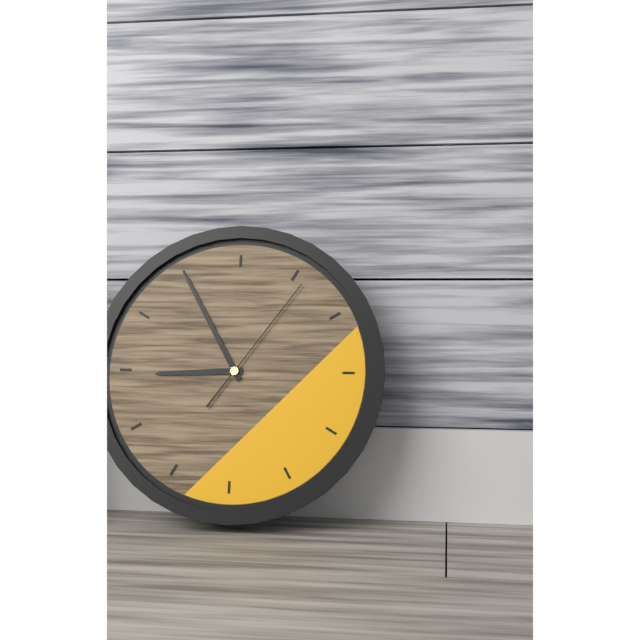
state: 8:55:06
